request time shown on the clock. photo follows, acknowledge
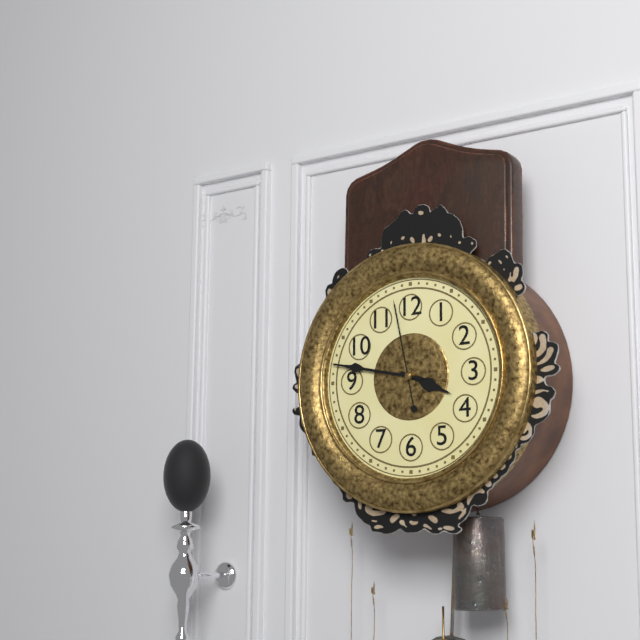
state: 3:47:58
